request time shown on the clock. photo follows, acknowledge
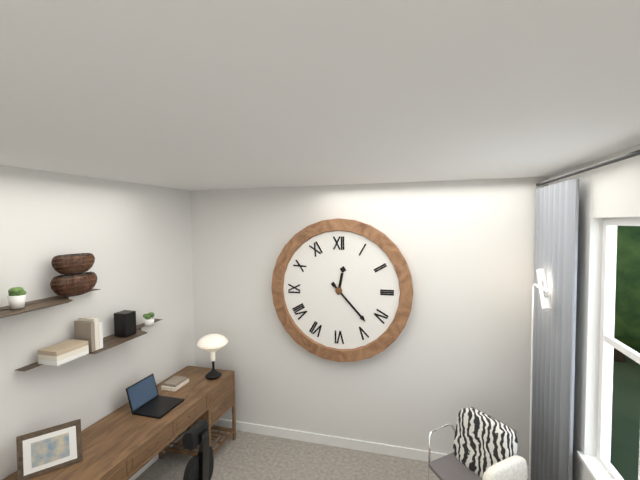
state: 12:23
